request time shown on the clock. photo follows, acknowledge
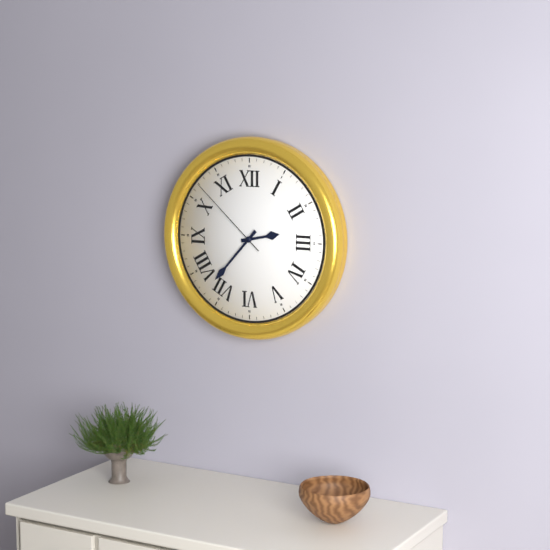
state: 2:37:52
